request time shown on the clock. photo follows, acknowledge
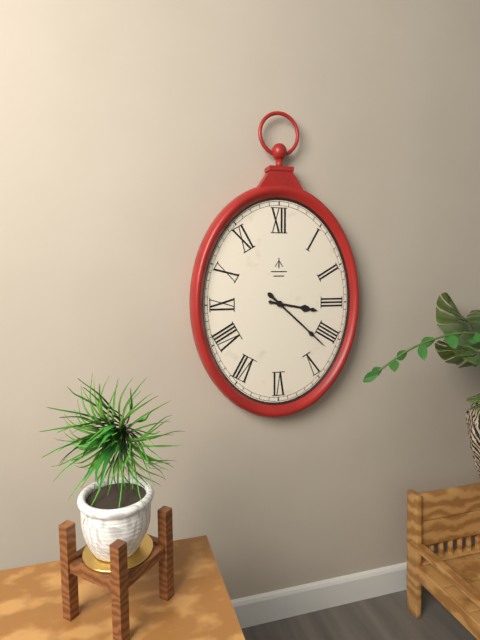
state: 3:22
